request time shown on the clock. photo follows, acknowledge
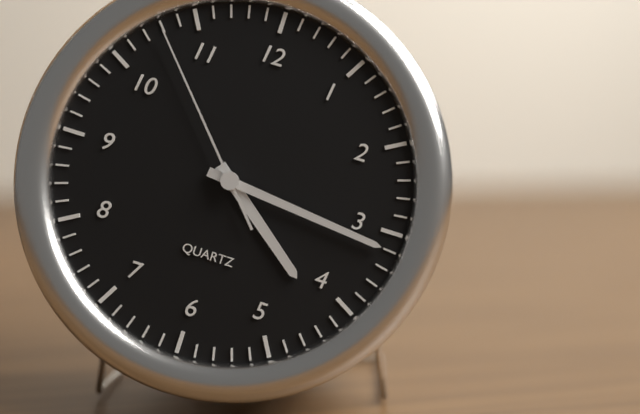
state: 4:16:53
